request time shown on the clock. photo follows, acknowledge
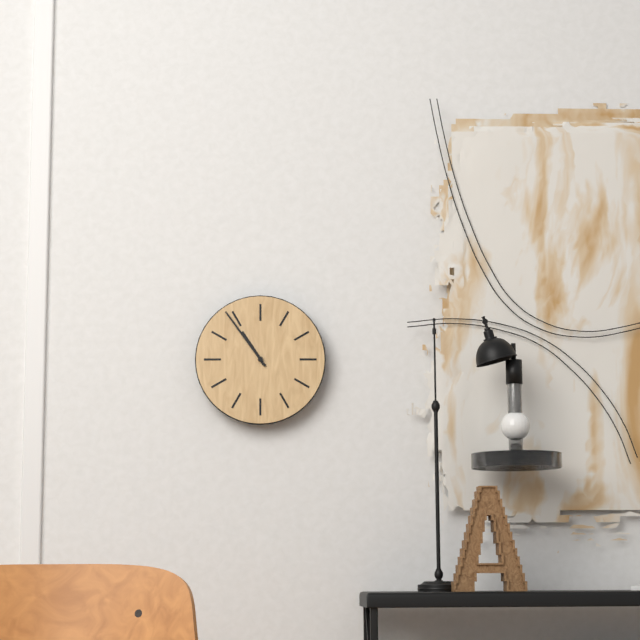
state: 10:54
